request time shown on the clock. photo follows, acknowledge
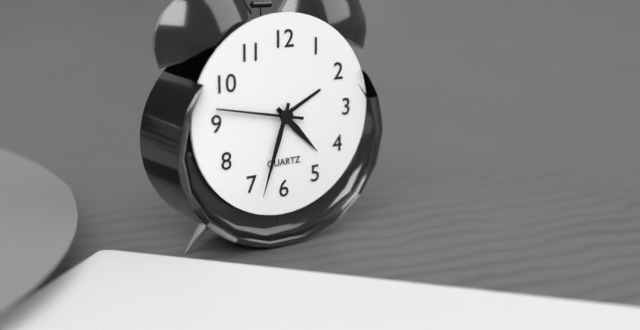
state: 4:33:47
